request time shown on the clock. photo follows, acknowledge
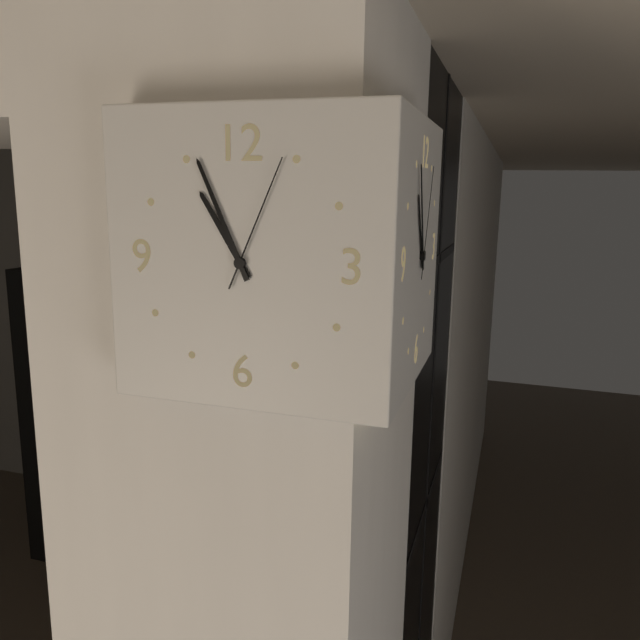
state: 10:56:04
